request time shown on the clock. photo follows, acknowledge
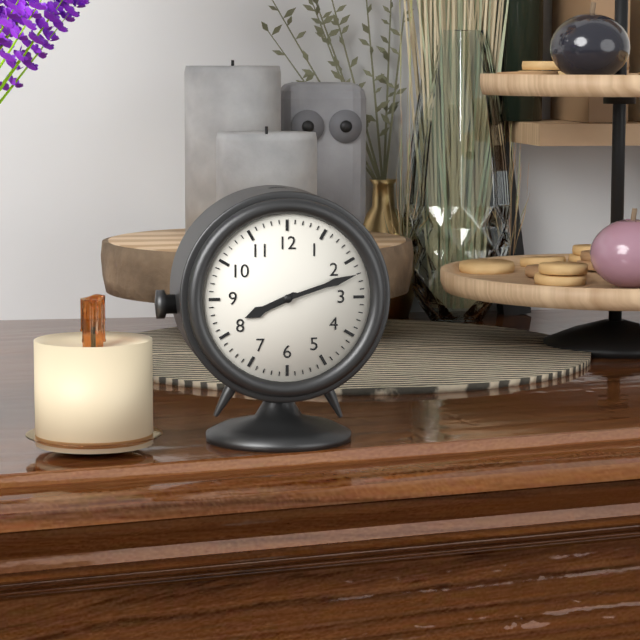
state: 8:12
